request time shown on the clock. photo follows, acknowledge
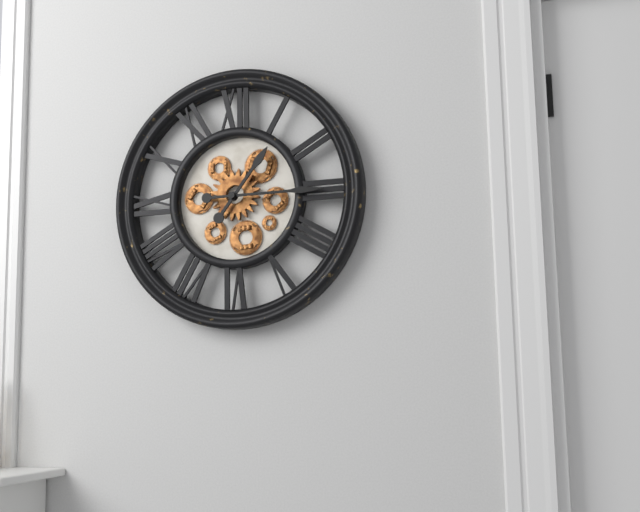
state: 1:15
